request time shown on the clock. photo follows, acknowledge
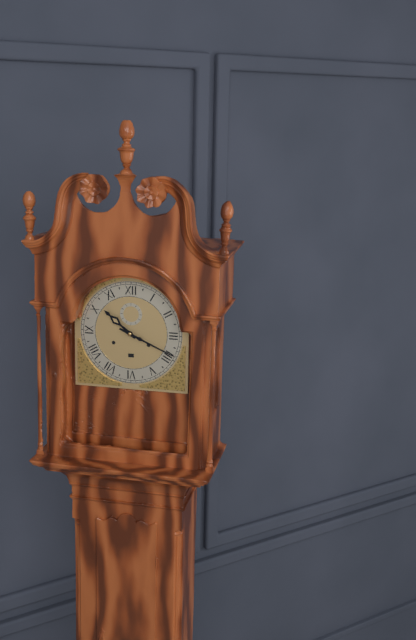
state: 10:19
